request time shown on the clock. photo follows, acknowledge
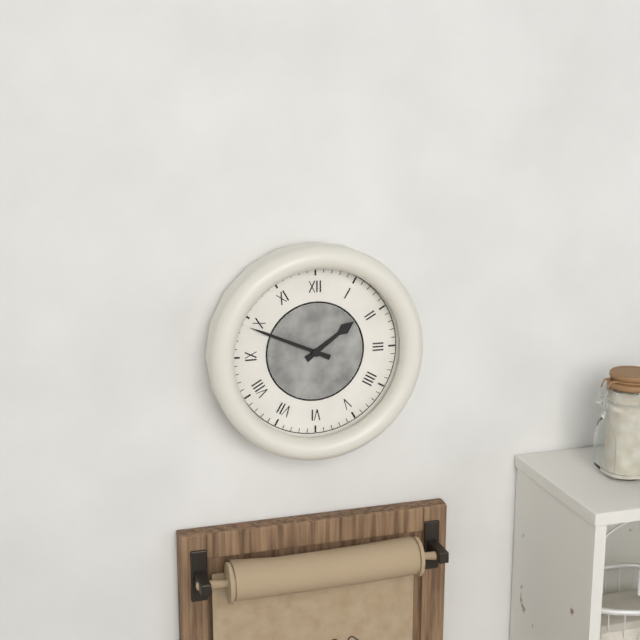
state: 1:49
